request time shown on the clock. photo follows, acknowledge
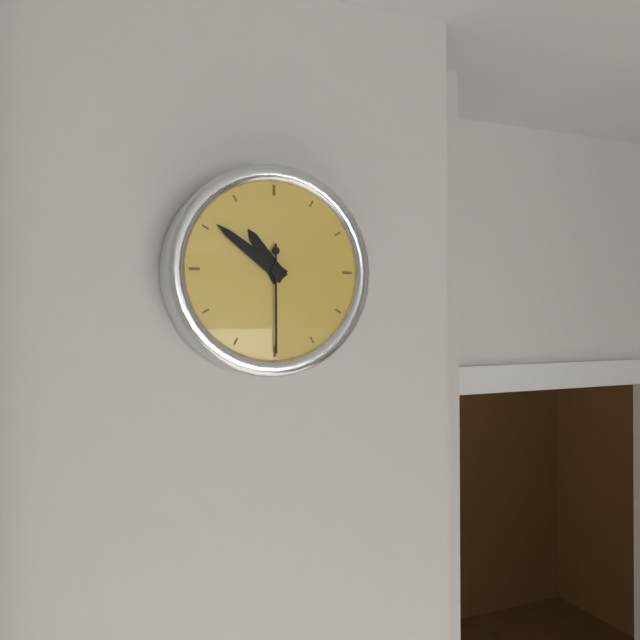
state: 10:51:30
